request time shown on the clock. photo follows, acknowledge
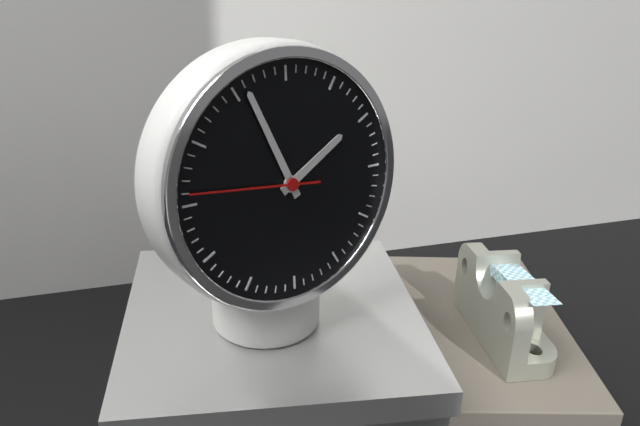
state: 1:56:46
